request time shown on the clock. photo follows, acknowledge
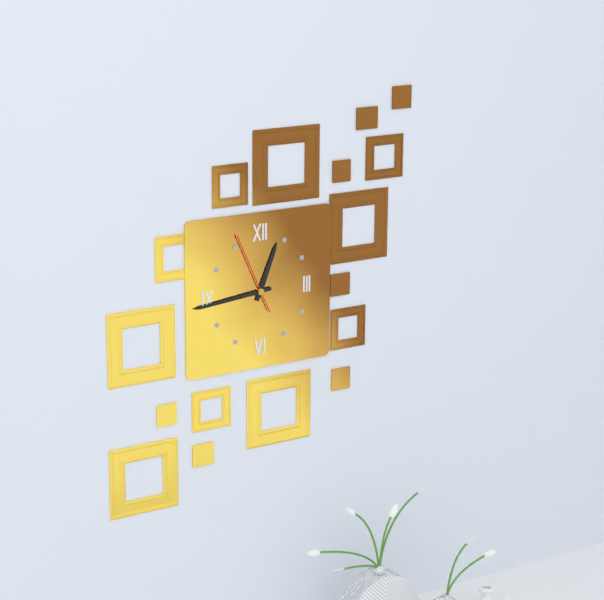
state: 12:44:56
